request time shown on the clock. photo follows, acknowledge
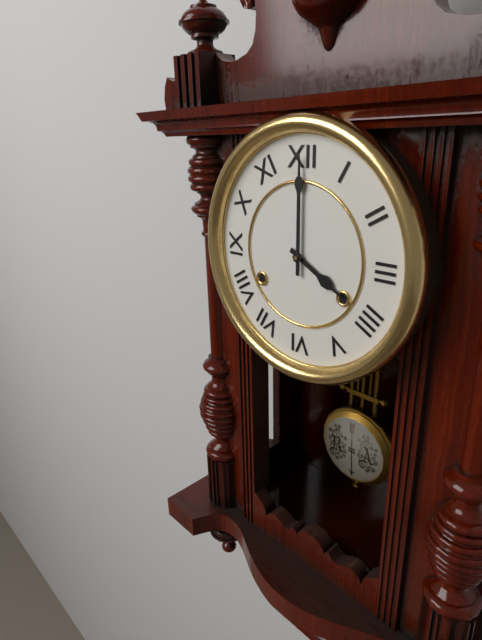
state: 4:00
